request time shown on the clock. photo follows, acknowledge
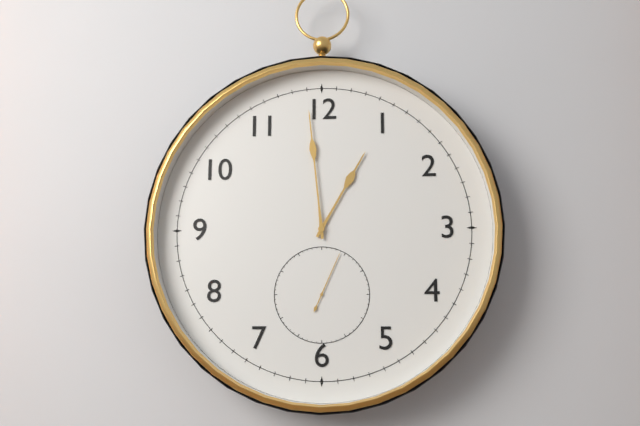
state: 12:59:04
